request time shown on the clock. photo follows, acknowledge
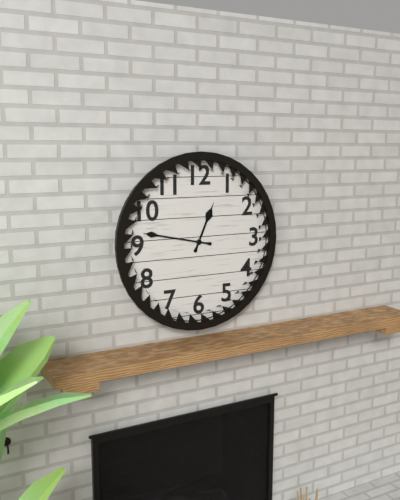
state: 12:47
